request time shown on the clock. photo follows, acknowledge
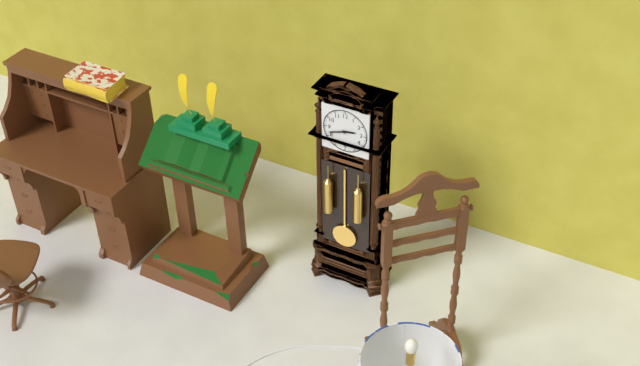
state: 2:42
